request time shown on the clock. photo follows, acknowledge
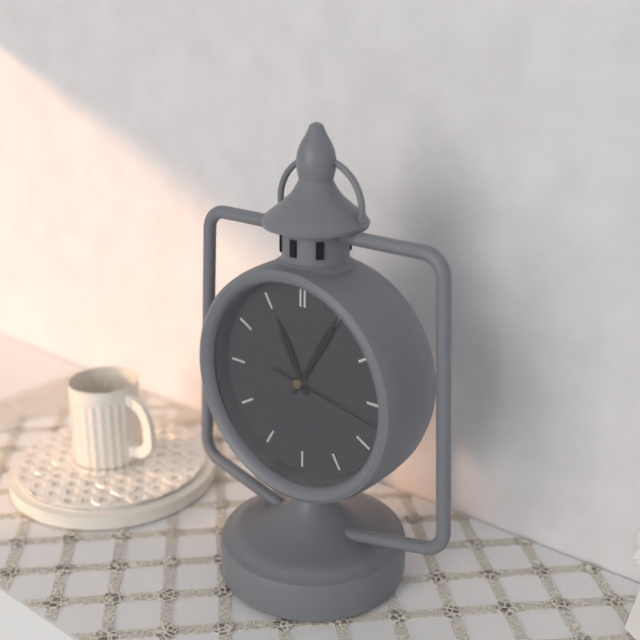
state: 11:05:17
